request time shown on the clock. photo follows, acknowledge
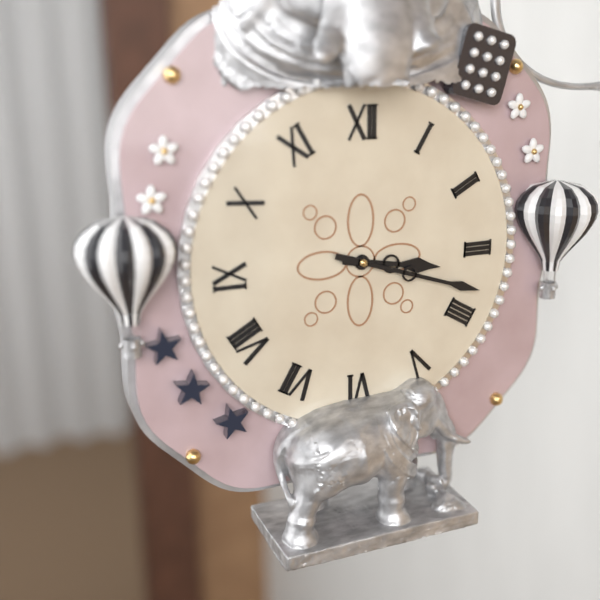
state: 3:18
